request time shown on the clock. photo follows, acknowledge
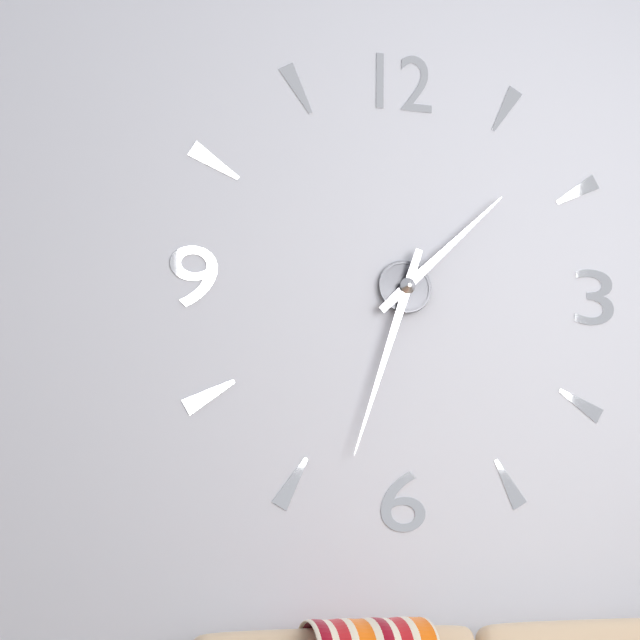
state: 1:33
